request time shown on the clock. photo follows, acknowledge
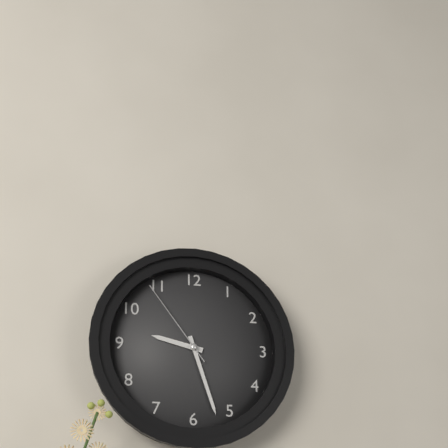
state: 9:27:54
